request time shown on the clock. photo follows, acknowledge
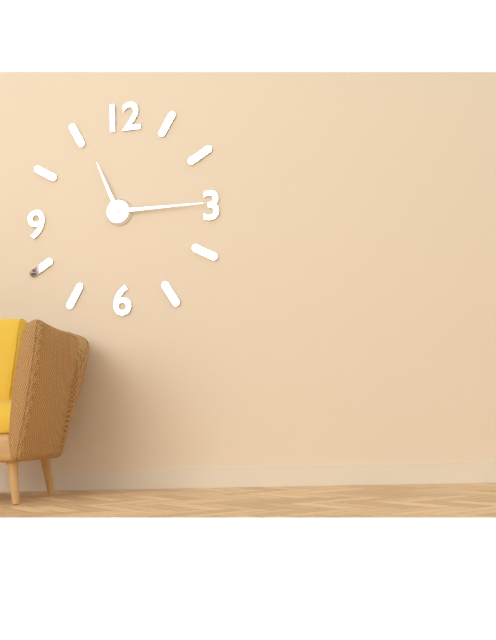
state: 11:15
